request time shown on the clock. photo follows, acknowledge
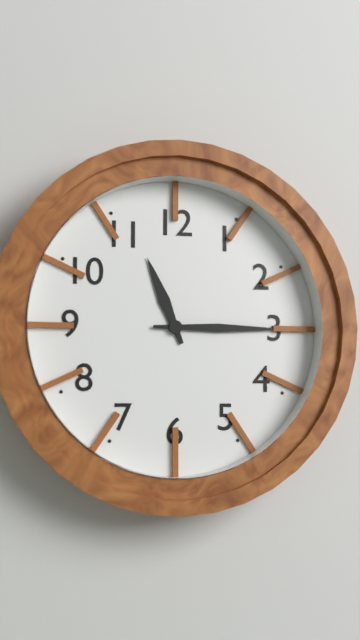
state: 11:15
